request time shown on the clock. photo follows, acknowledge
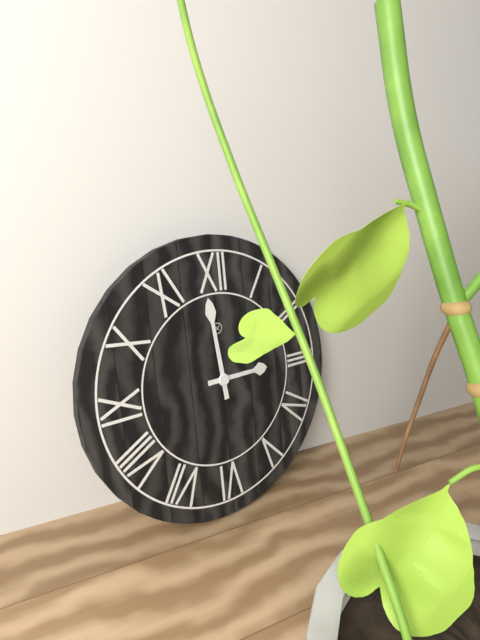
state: 2:59
